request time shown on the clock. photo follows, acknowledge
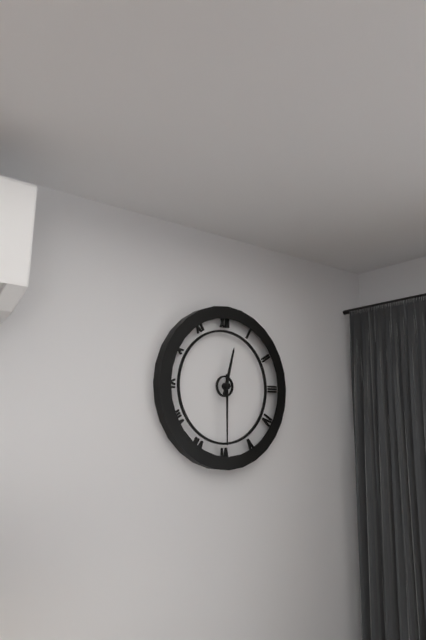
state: 12:30
